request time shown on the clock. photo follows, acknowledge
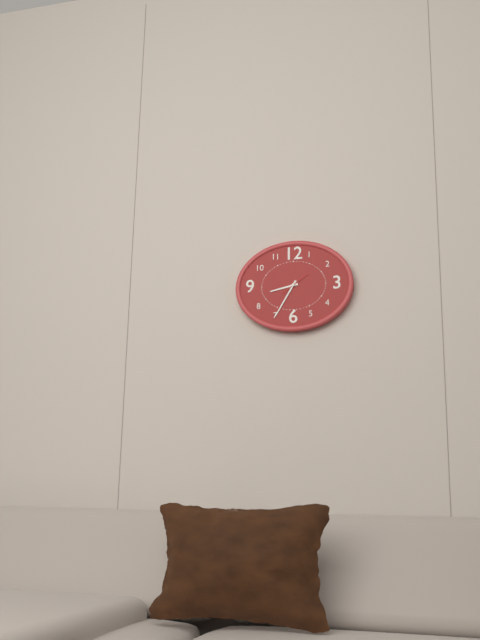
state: 8:35
